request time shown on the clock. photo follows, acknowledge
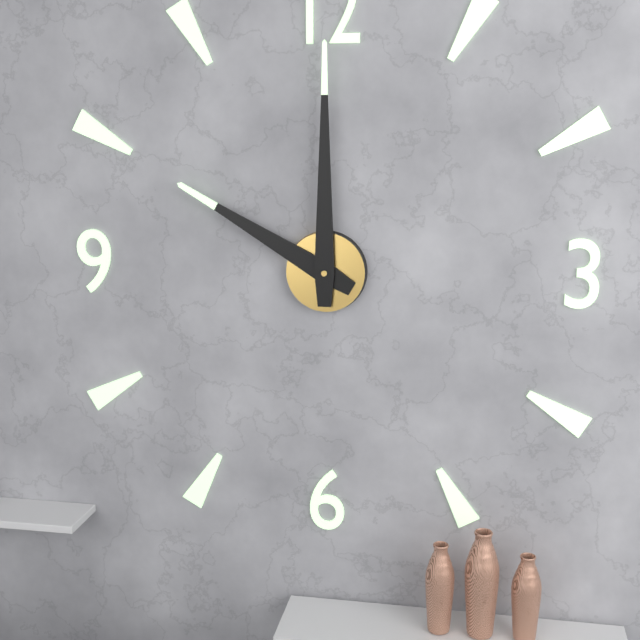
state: 10:00
